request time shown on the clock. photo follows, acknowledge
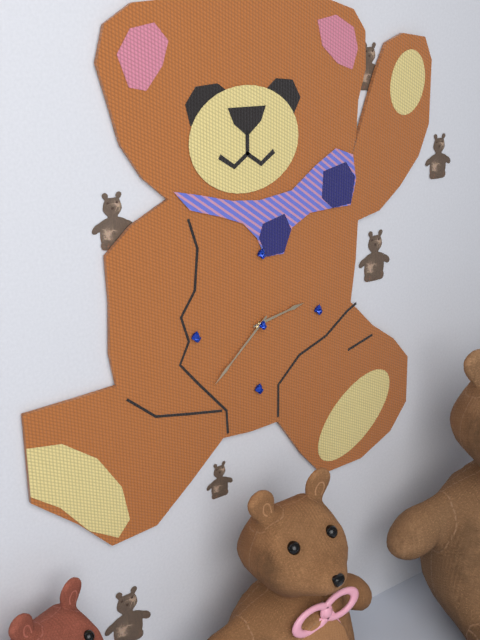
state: 2:38
